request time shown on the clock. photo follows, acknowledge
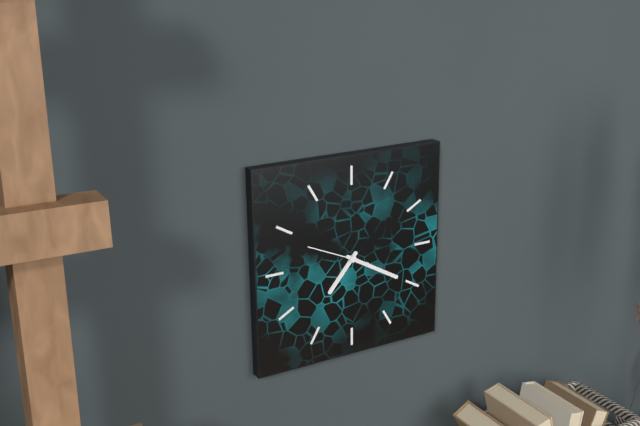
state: 7:20:49
